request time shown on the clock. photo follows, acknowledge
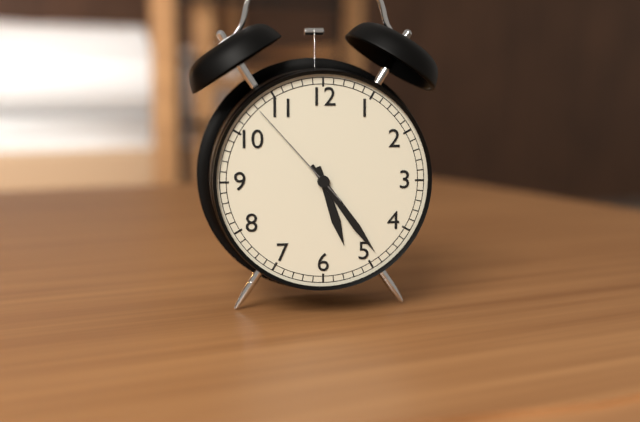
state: 5:24:53
